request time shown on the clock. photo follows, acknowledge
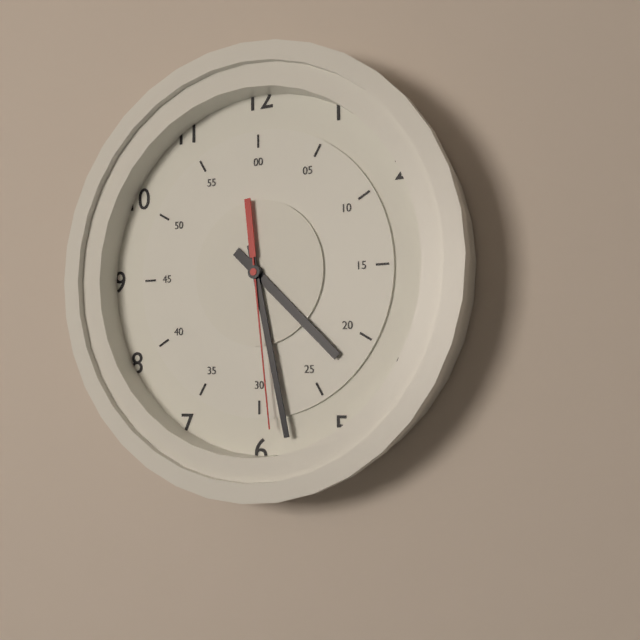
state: 4:28:29
